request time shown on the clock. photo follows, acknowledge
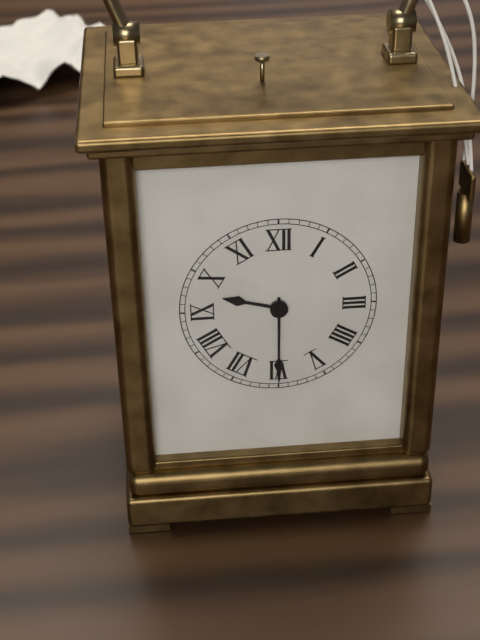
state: 9:30
